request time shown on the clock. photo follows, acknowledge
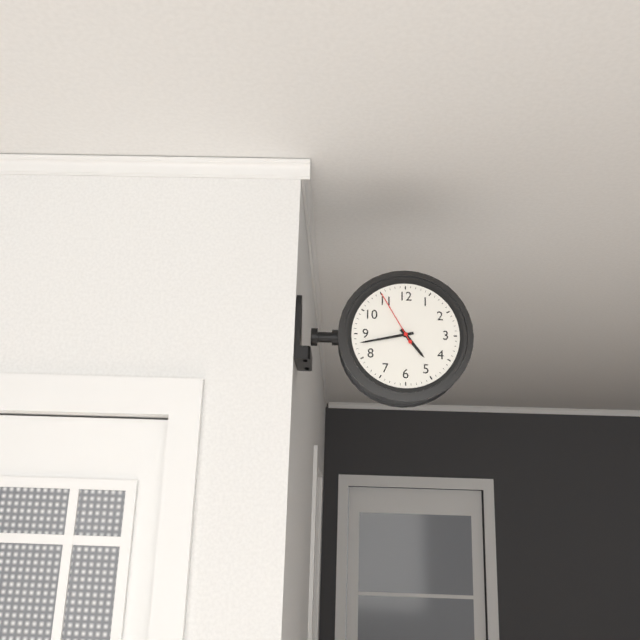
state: 4:43:55
